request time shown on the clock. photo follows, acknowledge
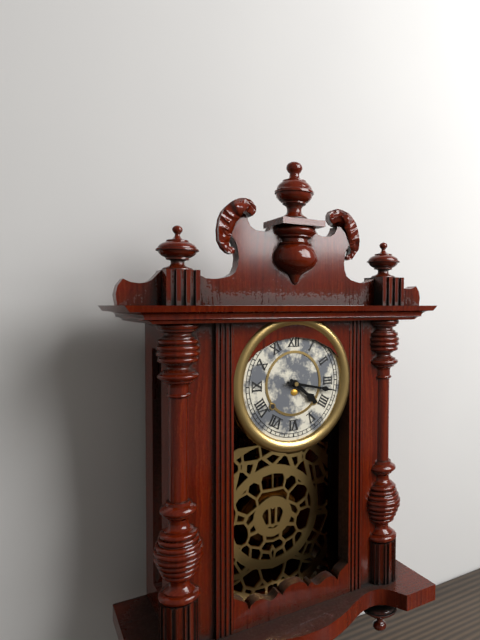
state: 4:17
